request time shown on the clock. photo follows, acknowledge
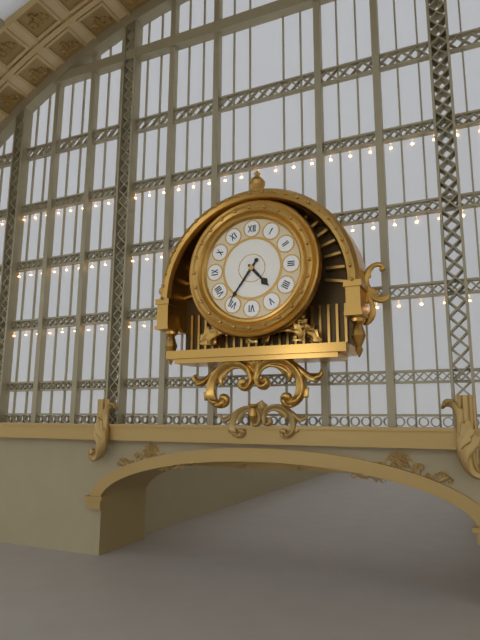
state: 4:36
